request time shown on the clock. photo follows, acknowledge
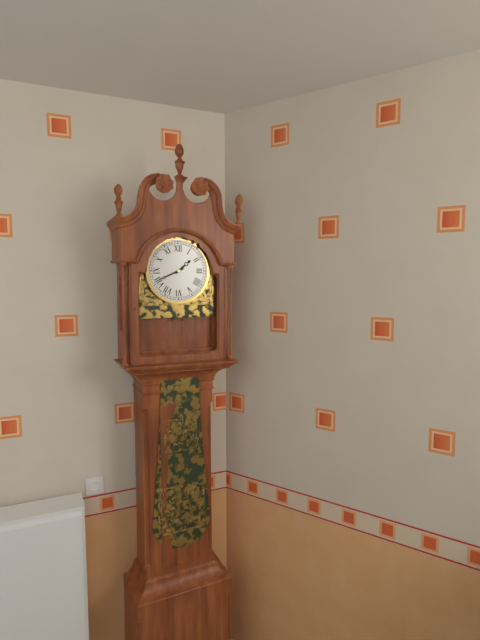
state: 1:41
